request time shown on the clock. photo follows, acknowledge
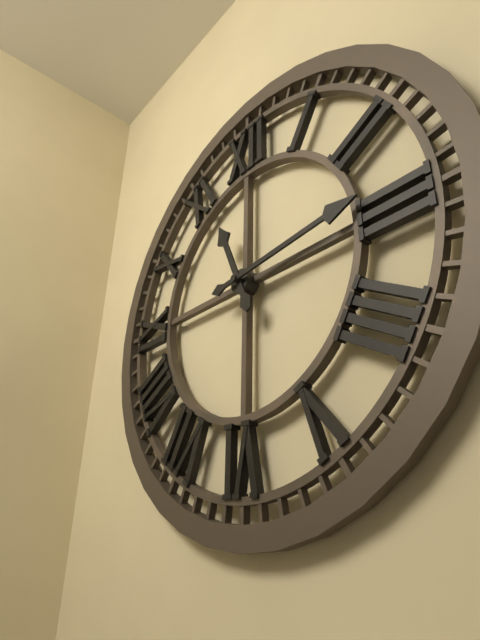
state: 11:14
